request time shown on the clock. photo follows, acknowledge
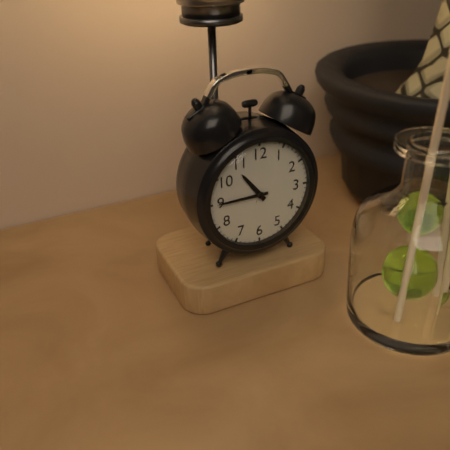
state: 10:45
